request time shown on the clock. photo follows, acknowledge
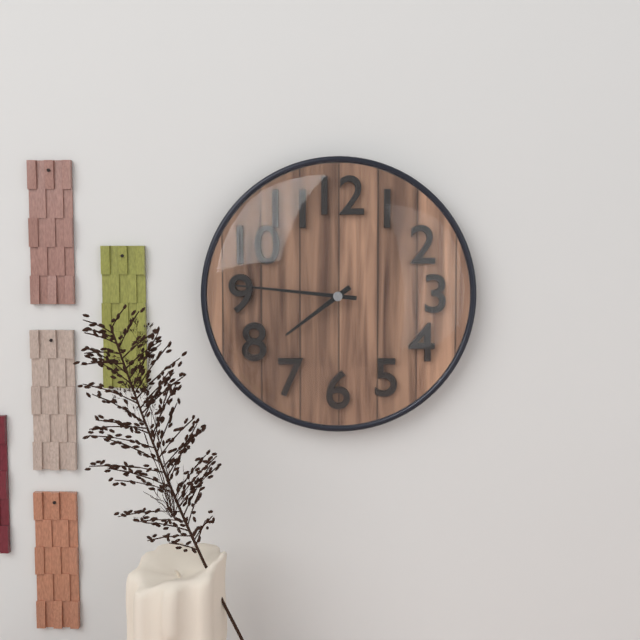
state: 7:46
